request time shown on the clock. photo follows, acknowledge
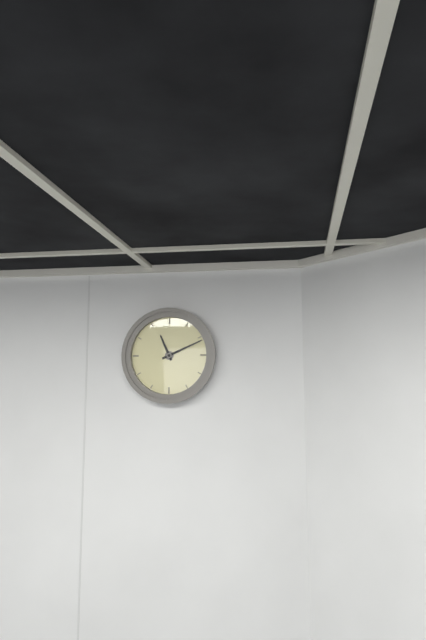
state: 11:11
